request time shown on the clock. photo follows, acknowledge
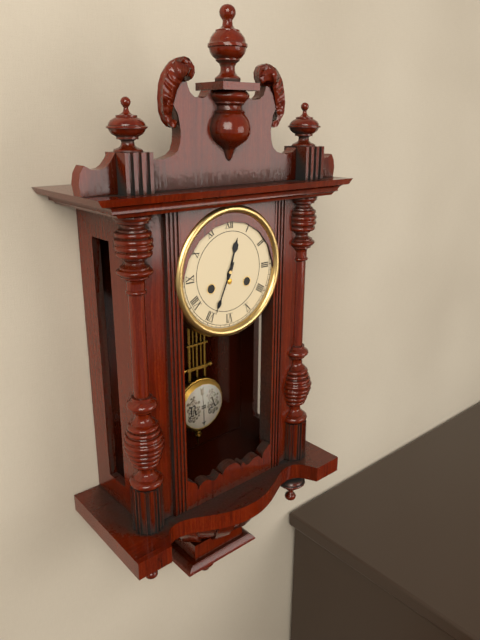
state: 12:34
